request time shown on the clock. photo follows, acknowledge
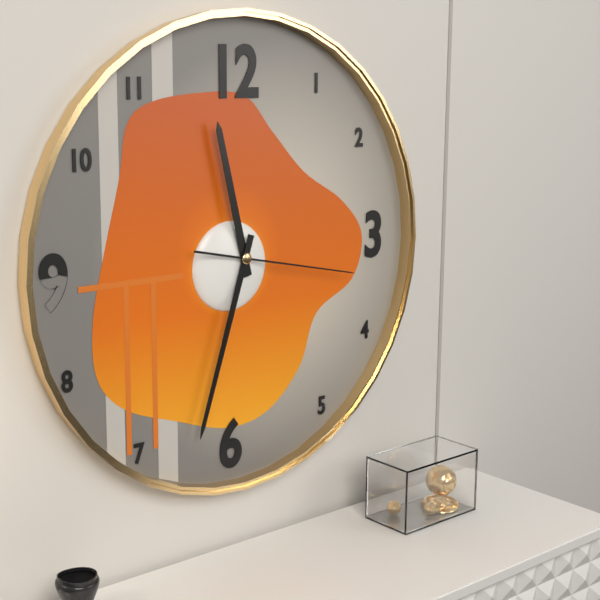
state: 11:33:17
